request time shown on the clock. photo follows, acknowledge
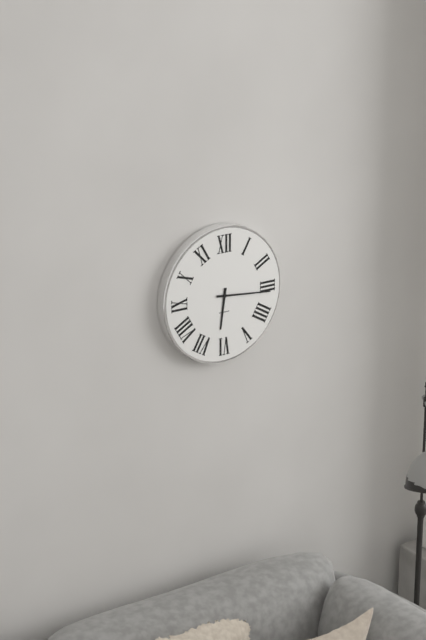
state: 6:16
